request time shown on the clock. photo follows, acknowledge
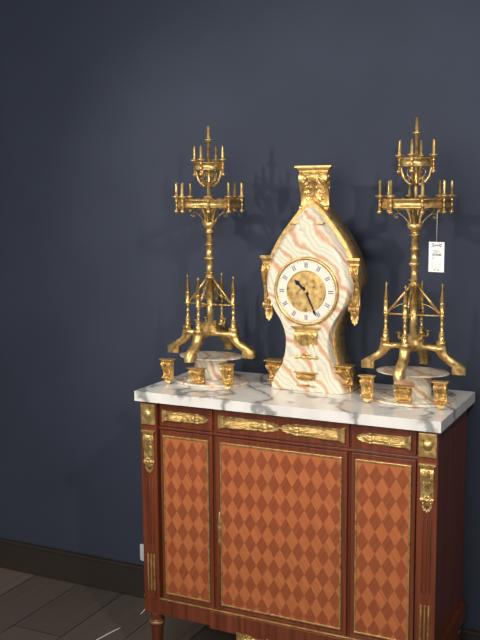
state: 10:26
